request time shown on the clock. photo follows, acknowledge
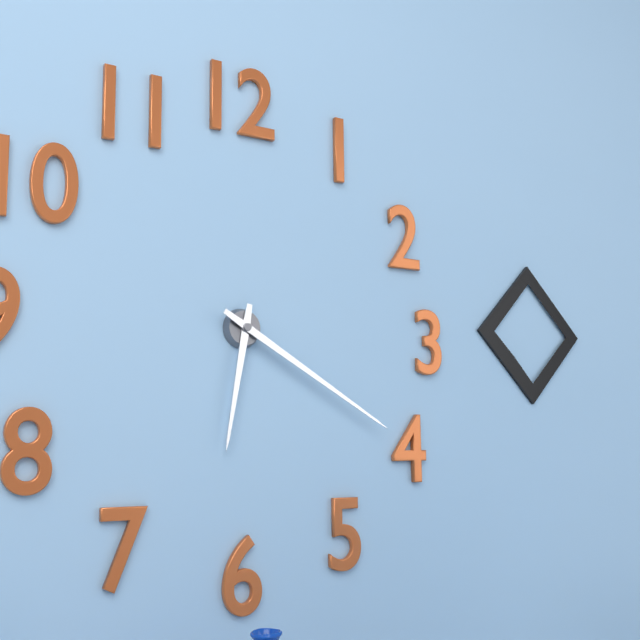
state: 6:20
